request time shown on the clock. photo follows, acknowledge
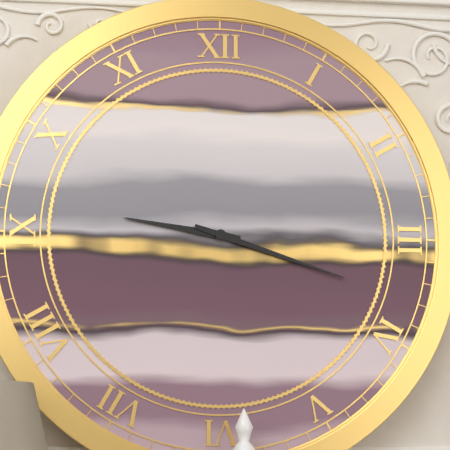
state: 9:18
